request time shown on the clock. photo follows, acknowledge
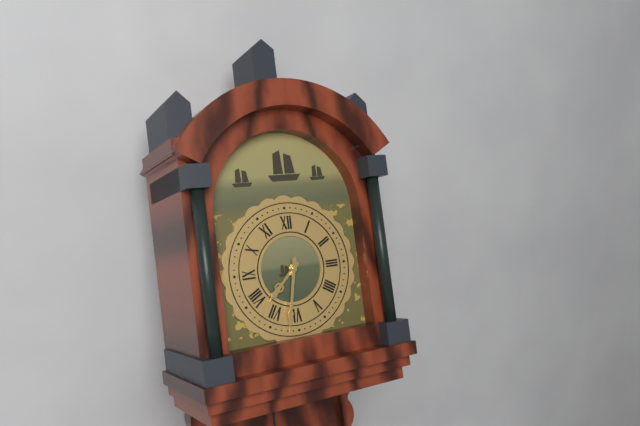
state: 7:32
